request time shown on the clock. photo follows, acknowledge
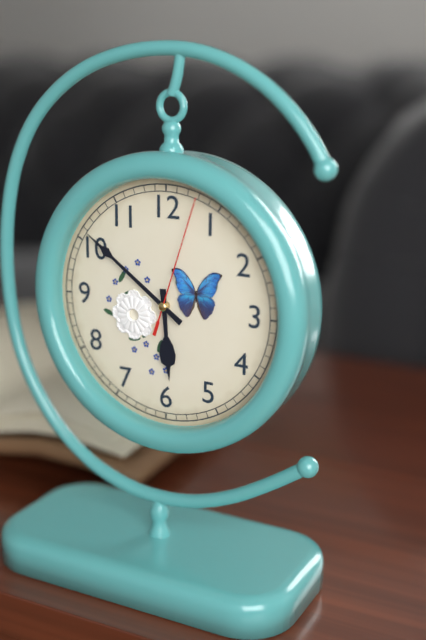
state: 5:51:03
